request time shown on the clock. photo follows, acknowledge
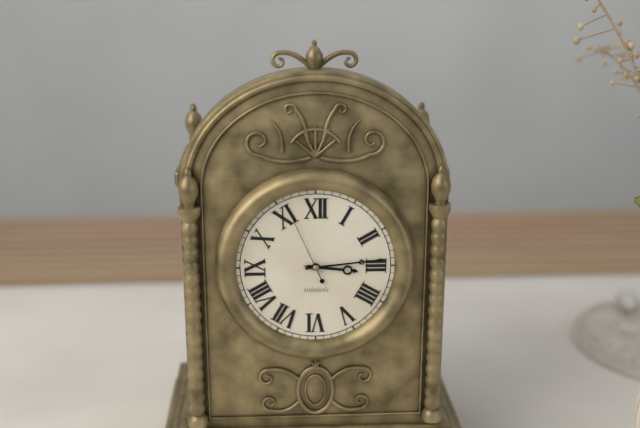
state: 3:14:56
